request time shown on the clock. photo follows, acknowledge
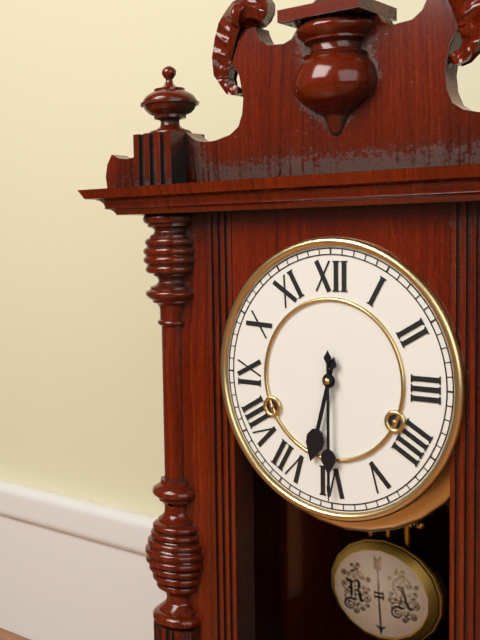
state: 6:30
